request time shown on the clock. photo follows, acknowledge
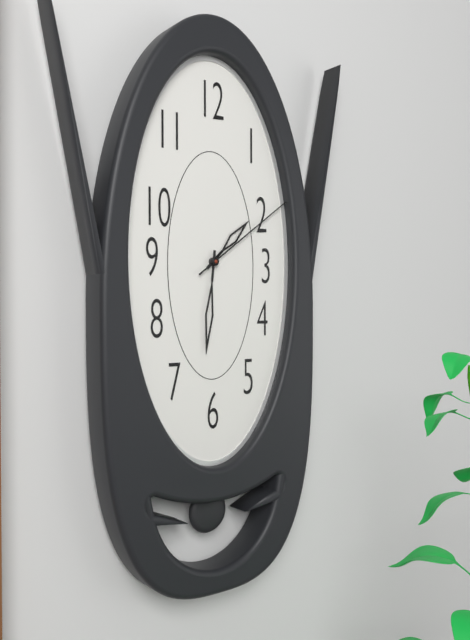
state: 1:31:09
